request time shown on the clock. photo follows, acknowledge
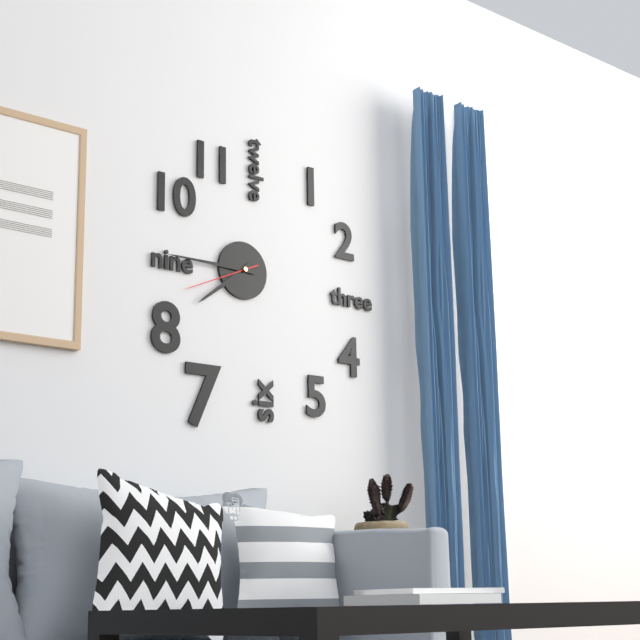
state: 7:45:41
